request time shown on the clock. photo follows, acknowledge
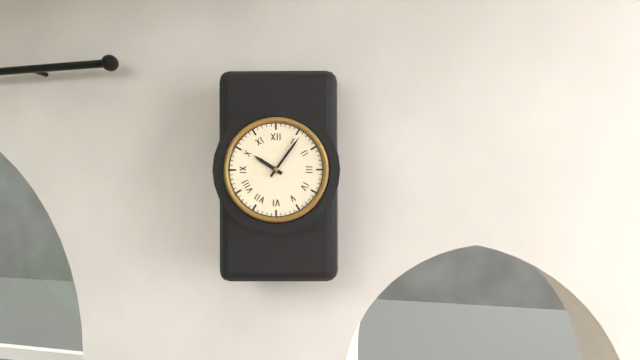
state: 10:06
